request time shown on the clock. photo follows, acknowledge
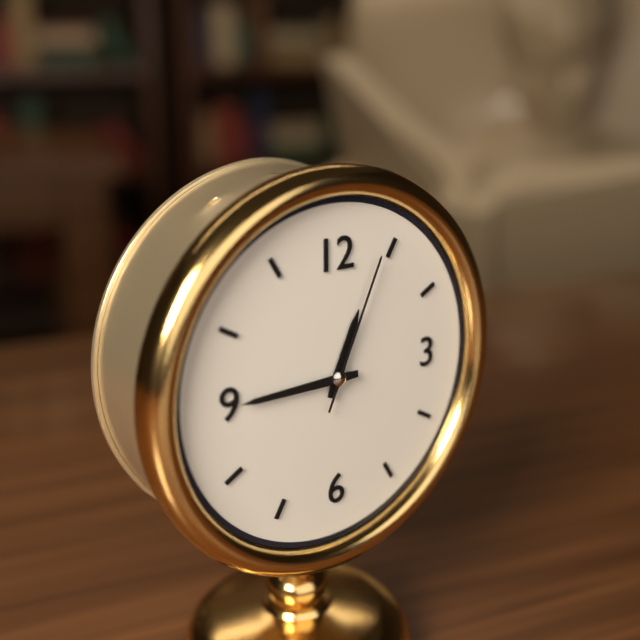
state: 12:45:04
